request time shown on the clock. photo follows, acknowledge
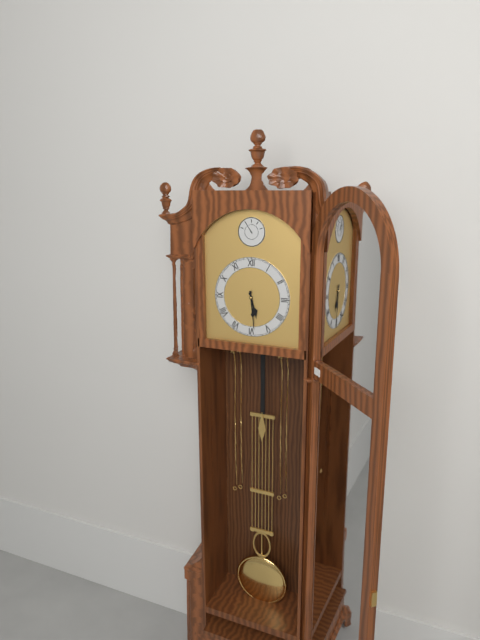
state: 5:29
